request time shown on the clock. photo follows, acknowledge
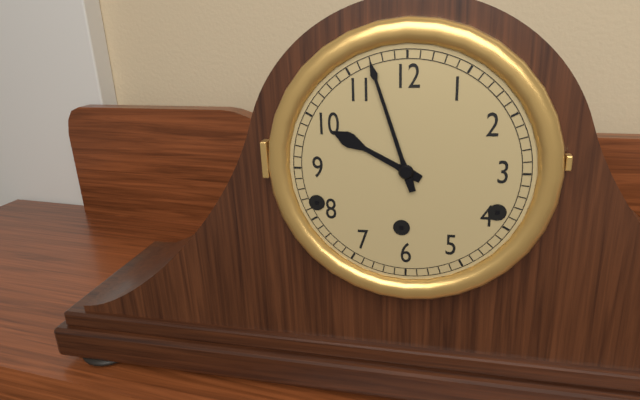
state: 9:57
